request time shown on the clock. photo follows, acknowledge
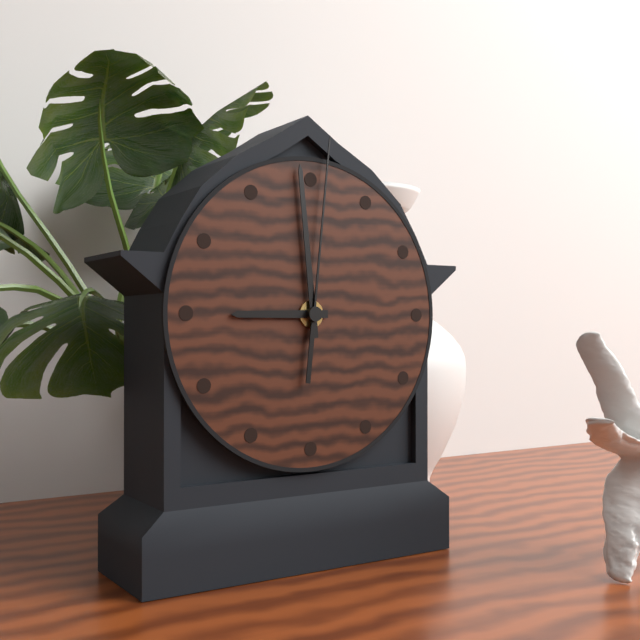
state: 8:59:01
